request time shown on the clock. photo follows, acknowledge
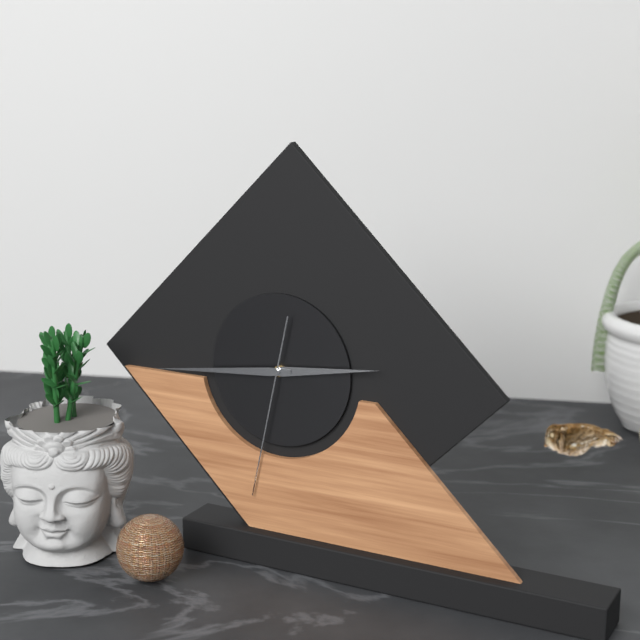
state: 2:44:32
